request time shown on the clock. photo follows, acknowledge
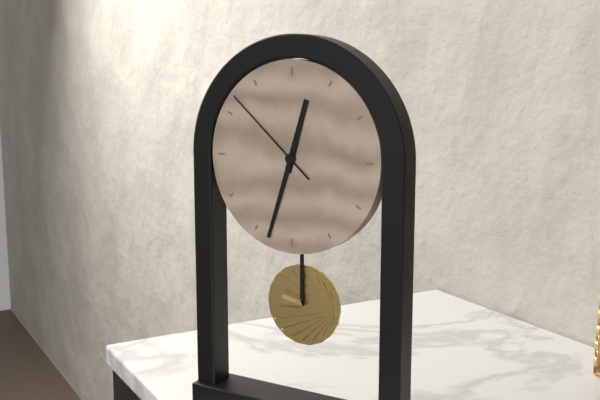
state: 12:33:52
